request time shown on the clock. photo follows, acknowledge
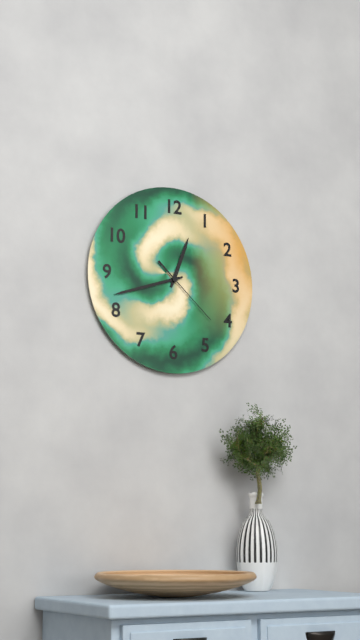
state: 12:42:22
